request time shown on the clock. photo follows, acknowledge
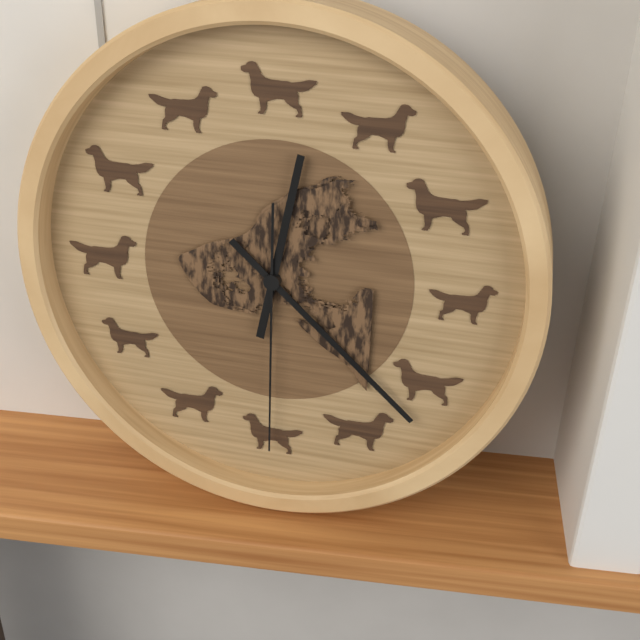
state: 12:22:30
